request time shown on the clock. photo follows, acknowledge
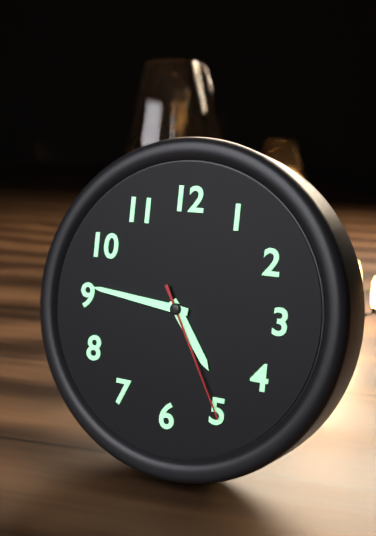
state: 4:46:25
